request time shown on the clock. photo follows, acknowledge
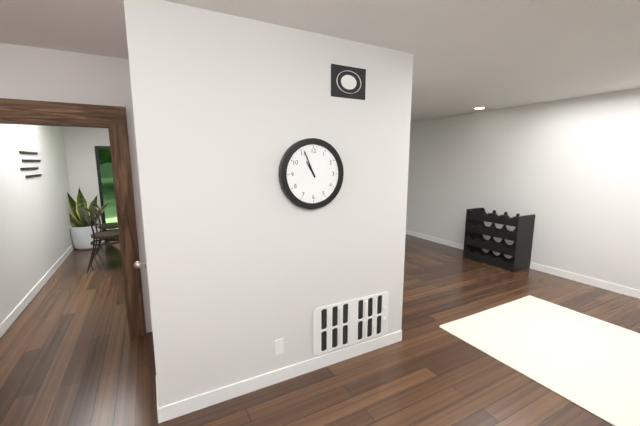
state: 10:56
